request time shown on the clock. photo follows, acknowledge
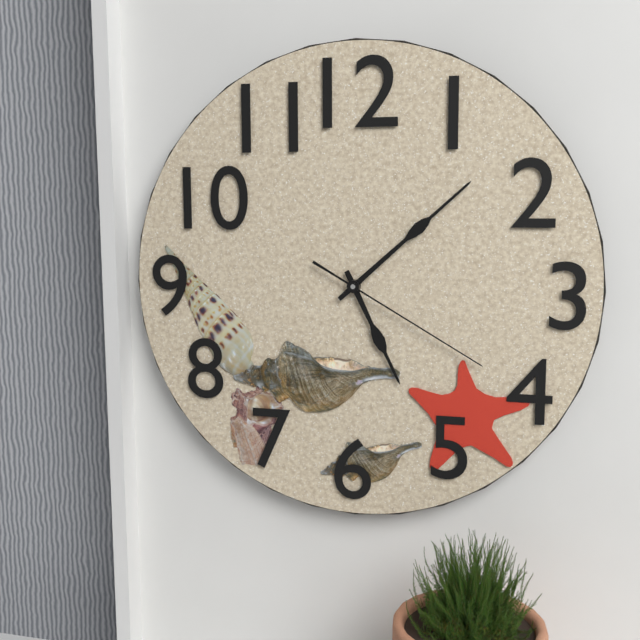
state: 5:08:20
